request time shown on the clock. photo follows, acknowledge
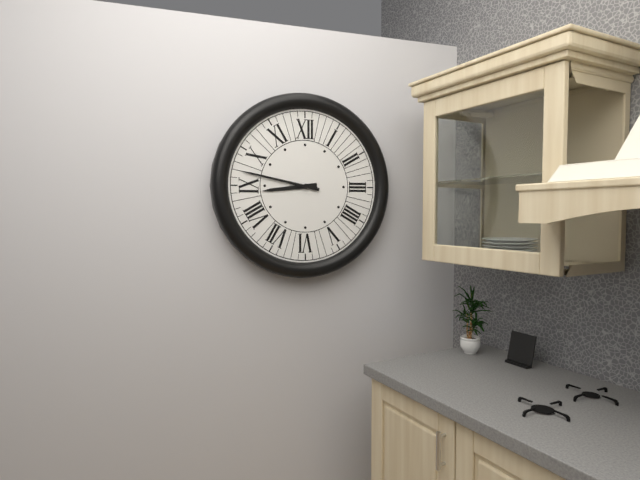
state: 8:47
